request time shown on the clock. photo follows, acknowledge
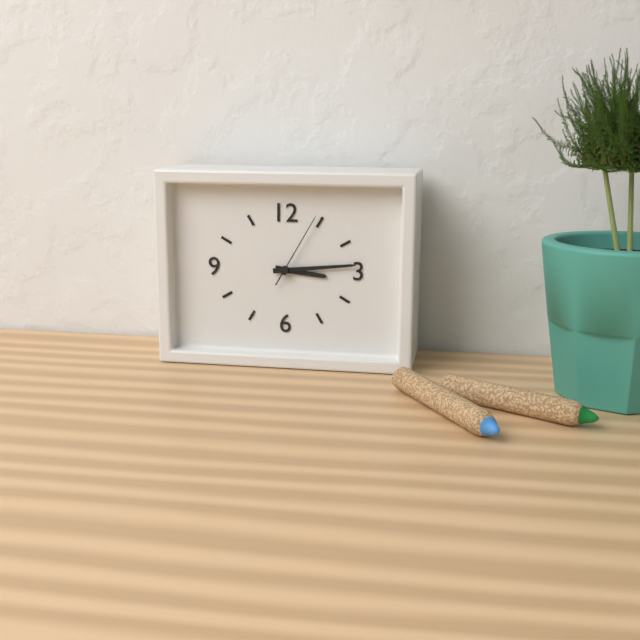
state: 3:14:05
